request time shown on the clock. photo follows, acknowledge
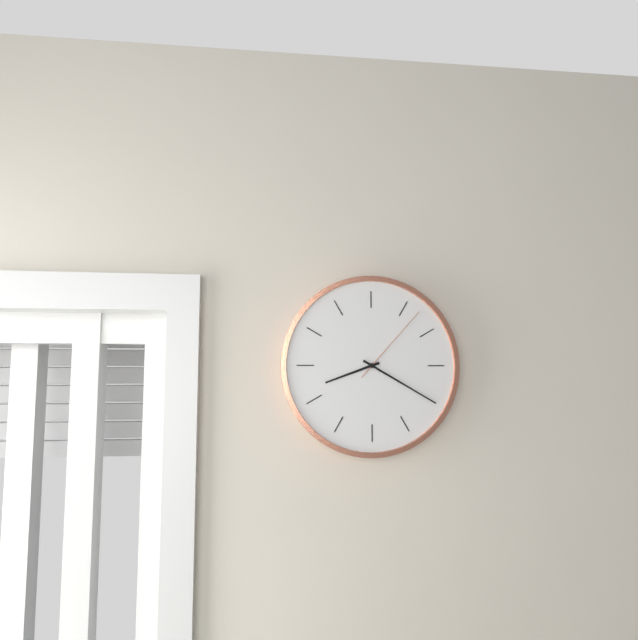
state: 8:20:07
